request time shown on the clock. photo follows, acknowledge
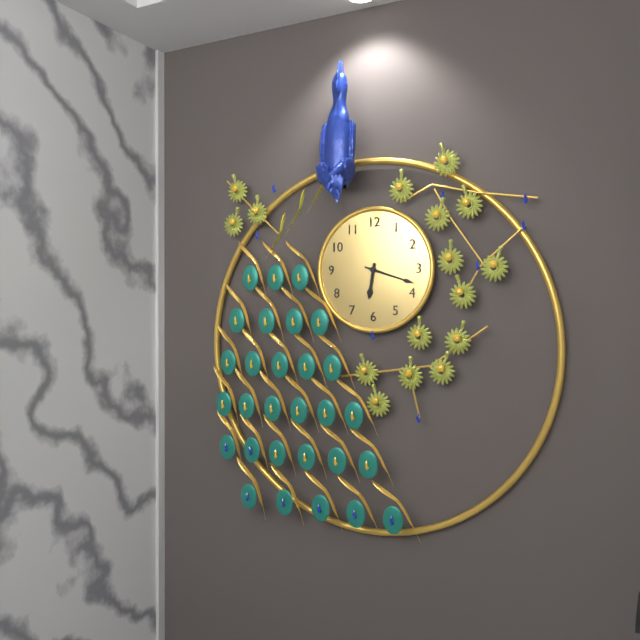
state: 6:18
